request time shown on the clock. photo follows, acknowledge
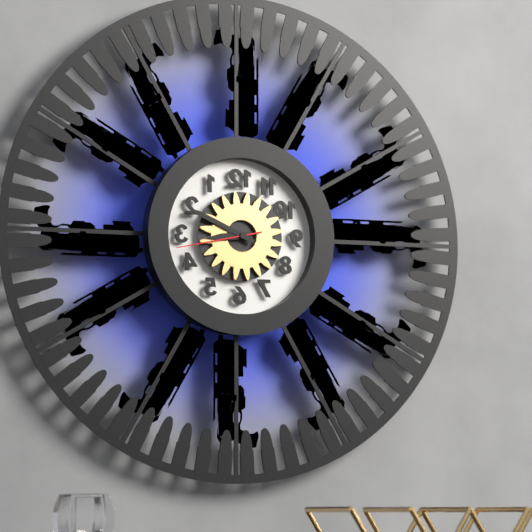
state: 8:49:43
